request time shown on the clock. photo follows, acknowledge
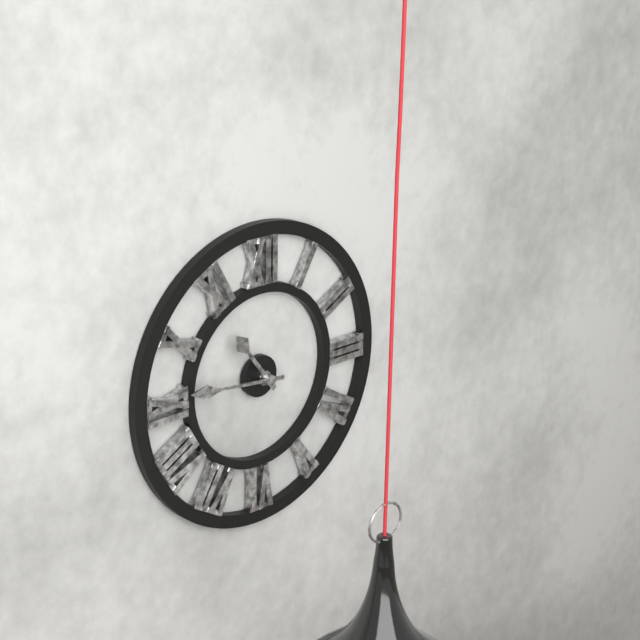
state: 10:46
